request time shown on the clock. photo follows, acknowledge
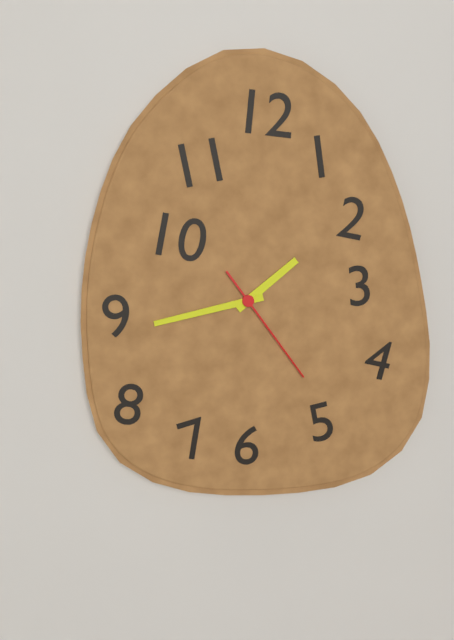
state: 1:43:24
